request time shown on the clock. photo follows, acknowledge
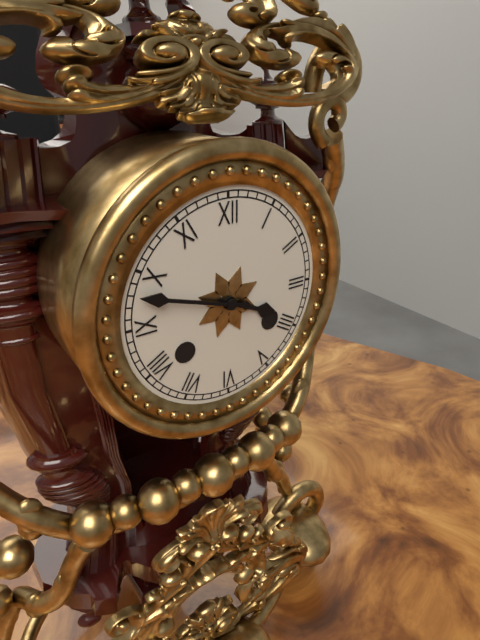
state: 3:48
